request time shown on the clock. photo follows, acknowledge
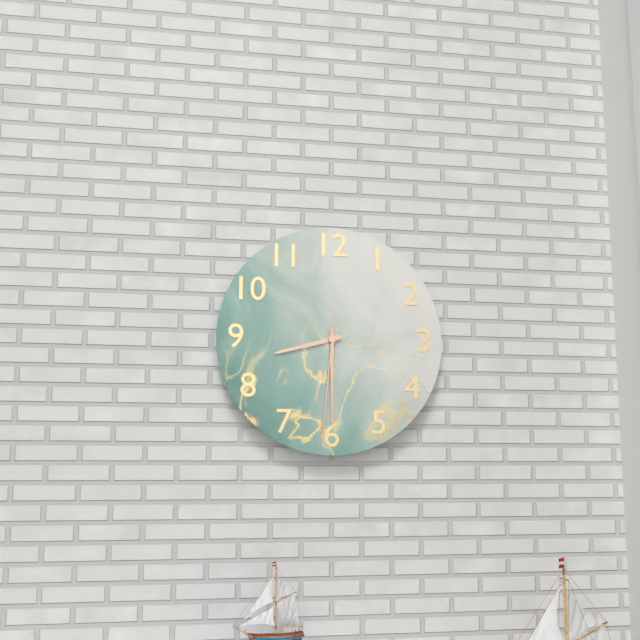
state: 8:30:31
